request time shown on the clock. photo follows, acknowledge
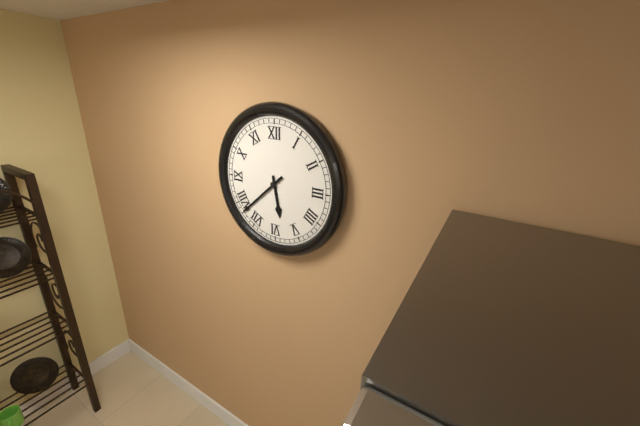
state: 5:38
